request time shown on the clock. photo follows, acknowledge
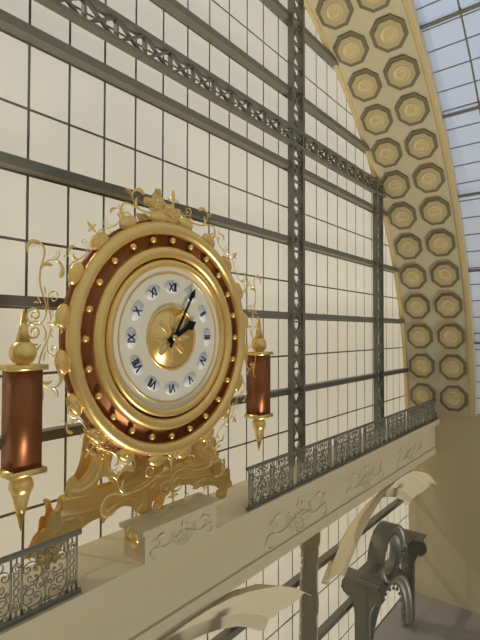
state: 2:05
